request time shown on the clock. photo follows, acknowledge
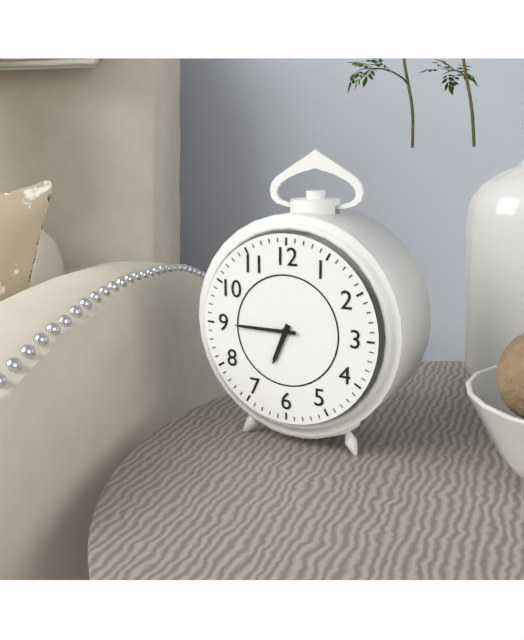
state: 6:45
